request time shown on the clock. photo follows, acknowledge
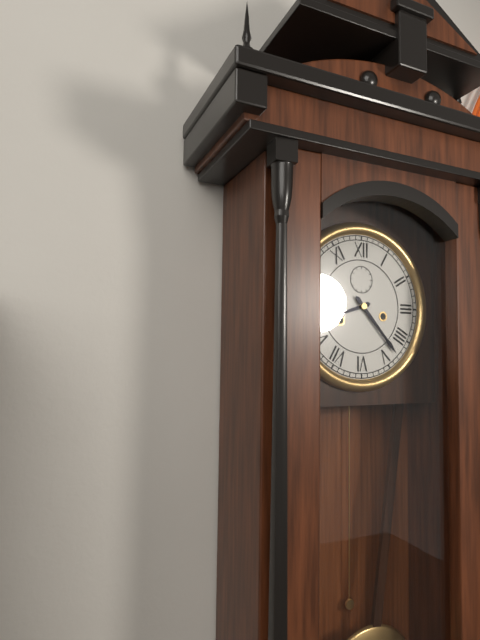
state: 8:23
